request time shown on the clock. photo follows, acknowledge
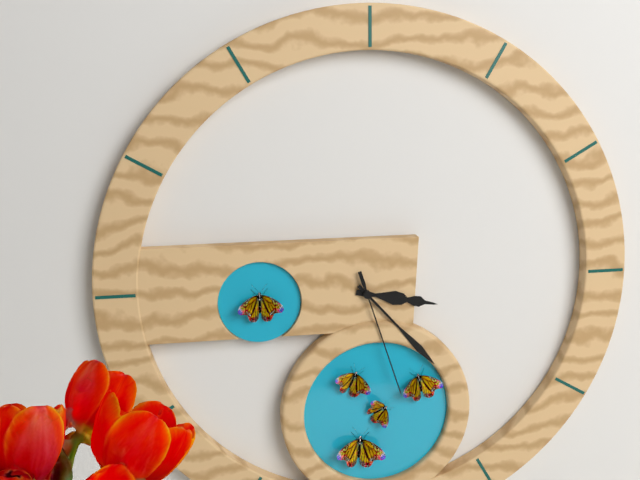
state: 3:23:27
